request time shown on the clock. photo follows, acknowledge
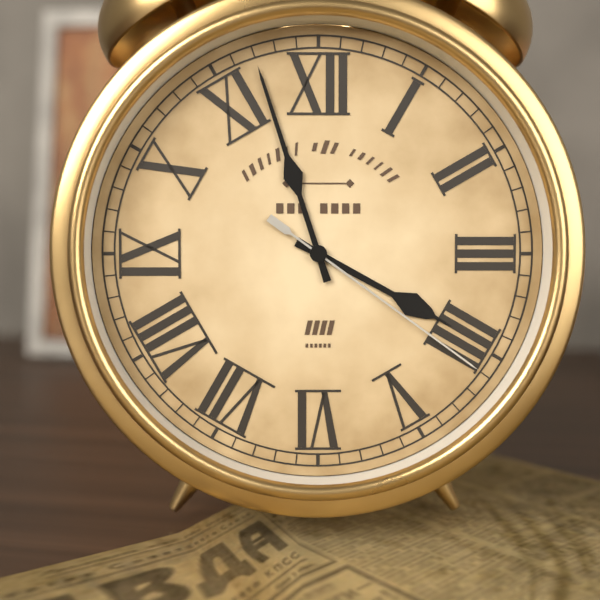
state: 3:57:21
